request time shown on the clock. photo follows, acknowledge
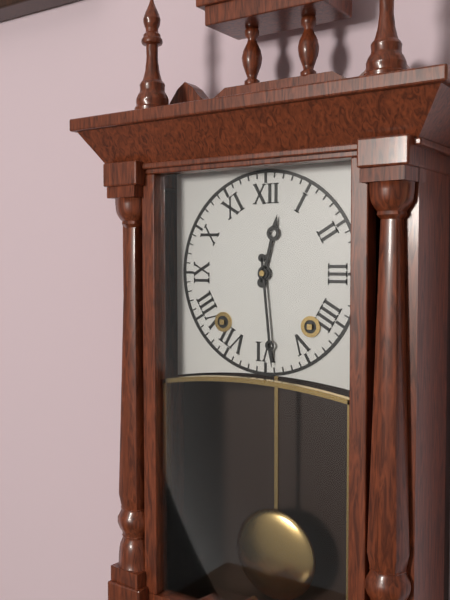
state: 12:29
